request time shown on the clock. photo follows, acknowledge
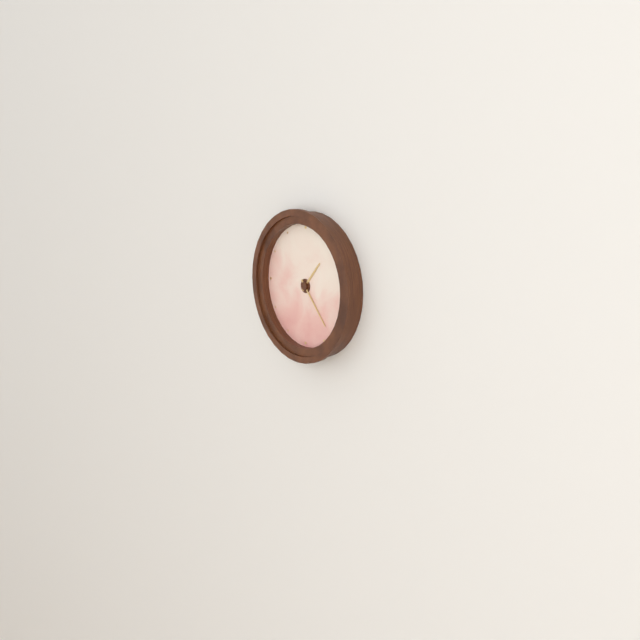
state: 1:23
